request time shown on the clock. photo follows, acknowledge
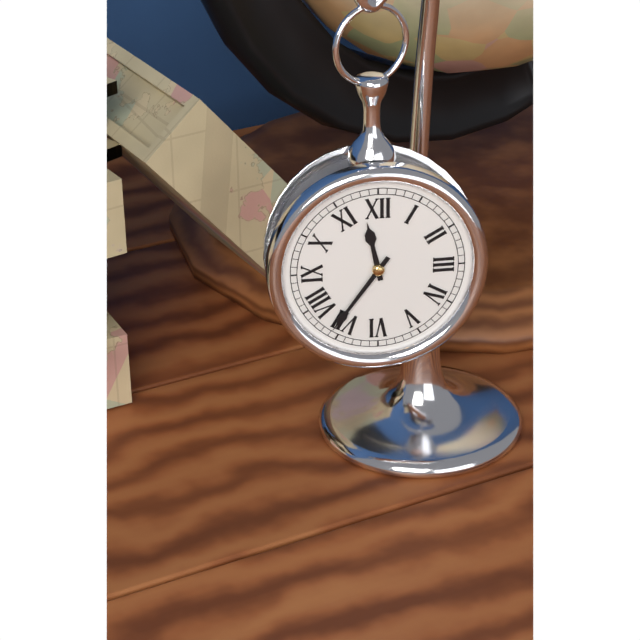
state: 11:36
